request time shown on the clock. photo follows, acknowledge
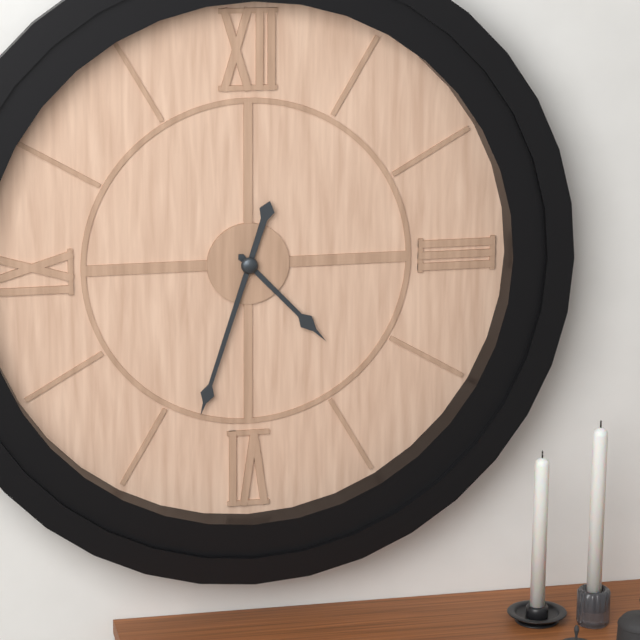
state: 4:33
